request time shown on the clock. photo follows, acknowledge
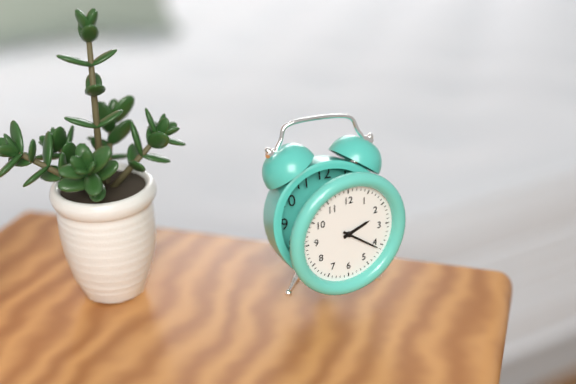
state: 2:21
